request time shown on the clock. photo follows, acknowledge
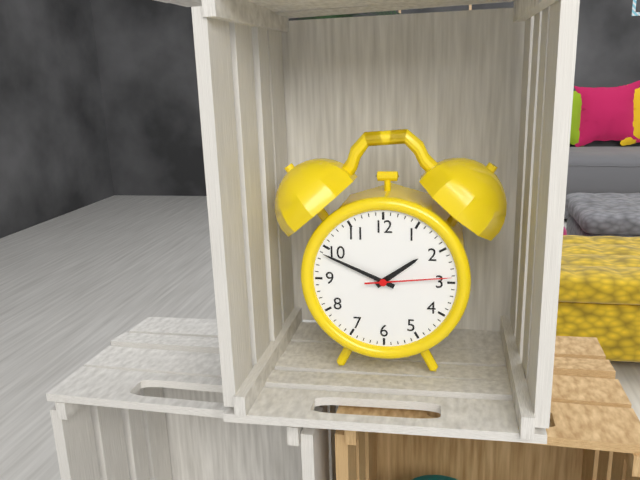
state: 1:49:14
